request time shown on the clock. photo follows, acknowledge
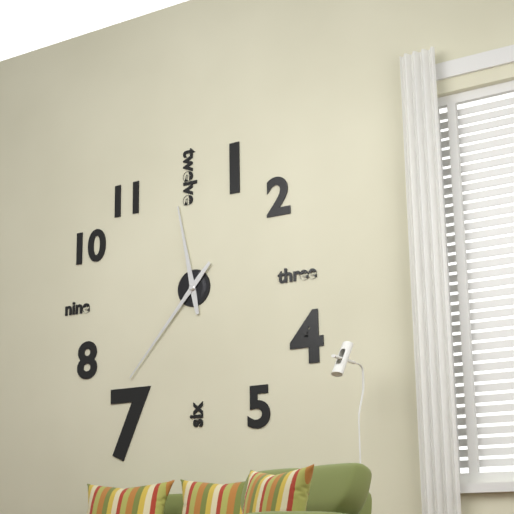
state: 11:37
